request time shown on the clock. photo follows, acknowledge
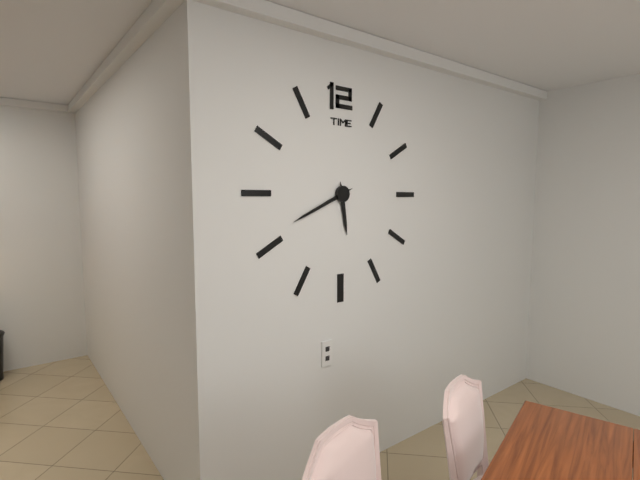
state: 5:41
